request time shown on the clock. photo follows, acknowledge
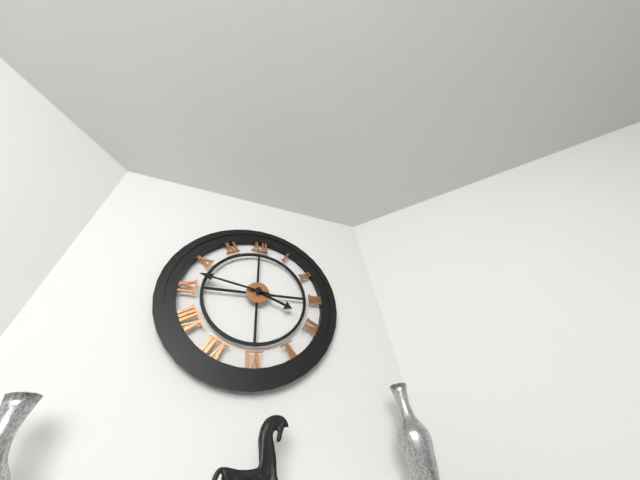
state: 3:47
